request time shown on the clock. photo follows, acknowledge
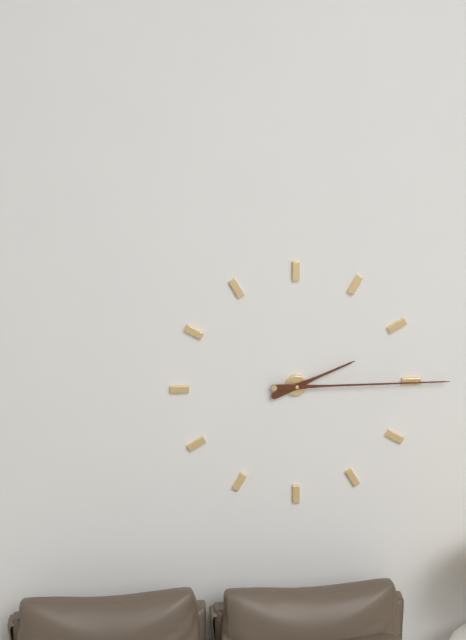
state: 2:15
